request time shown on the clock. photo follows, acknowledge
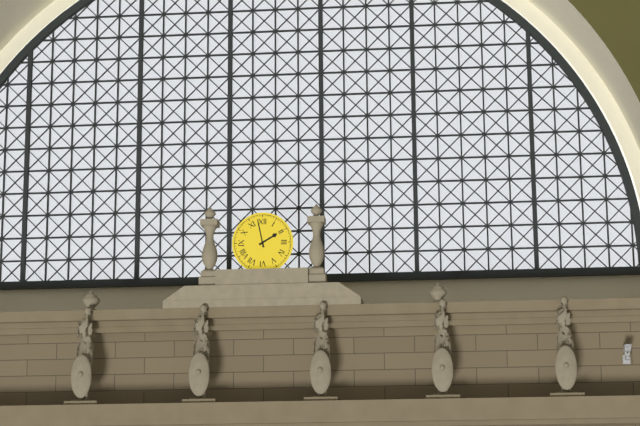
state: 1:58
